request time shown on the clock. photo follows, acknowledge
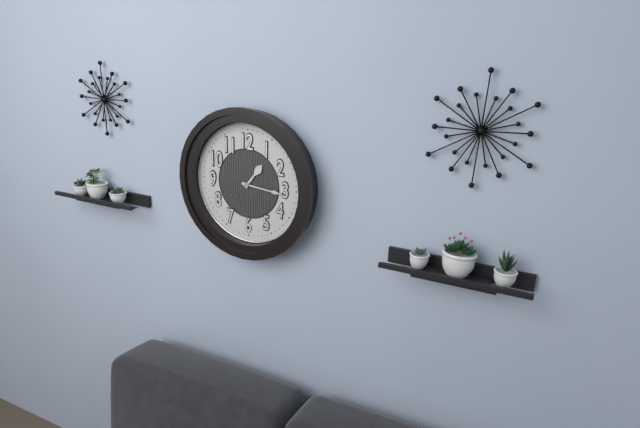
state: 1:16
